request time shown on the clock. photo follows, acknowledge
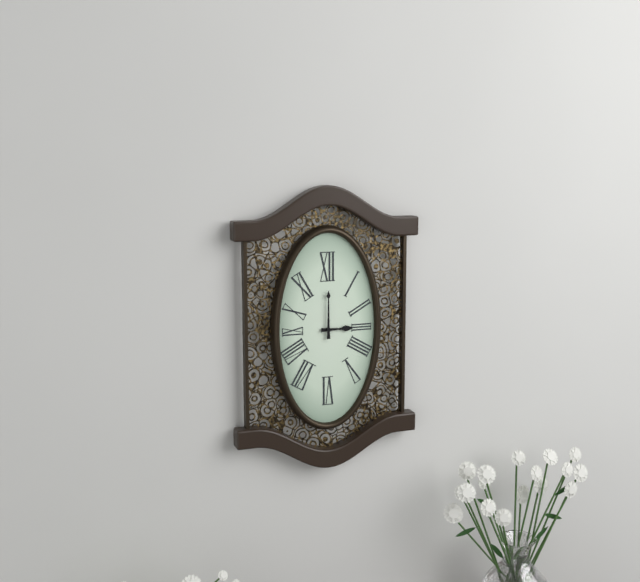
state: 3:00
